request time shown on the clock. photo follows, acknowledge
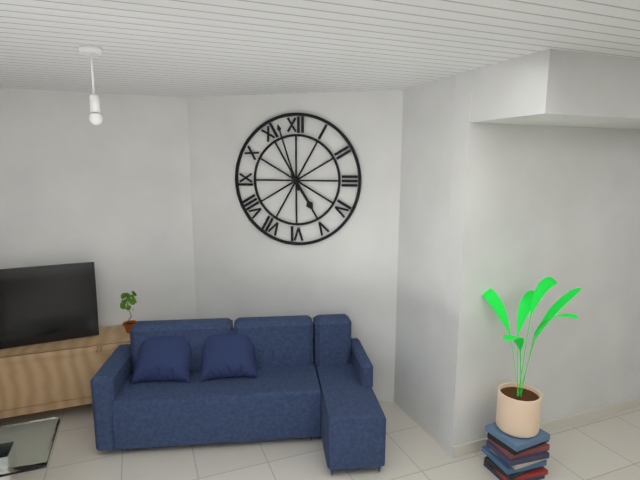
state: 4:57
